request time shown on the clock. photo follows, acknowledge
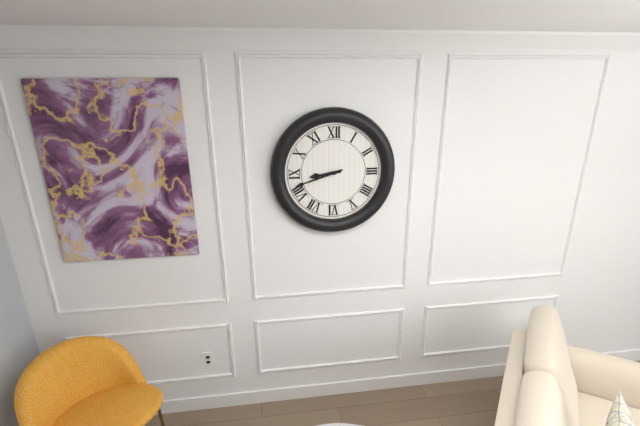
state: 8:42
